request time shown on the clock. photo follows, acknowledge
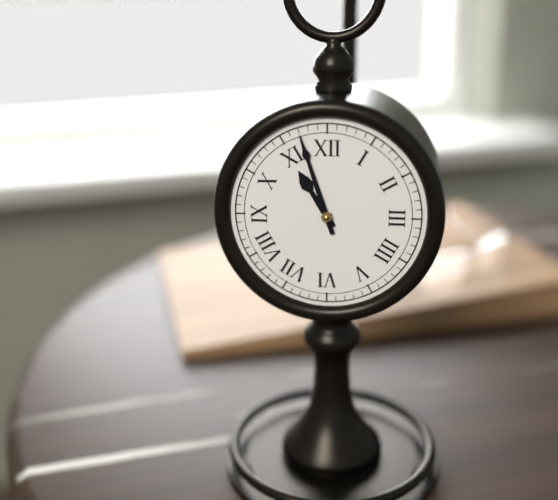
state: 10:57
